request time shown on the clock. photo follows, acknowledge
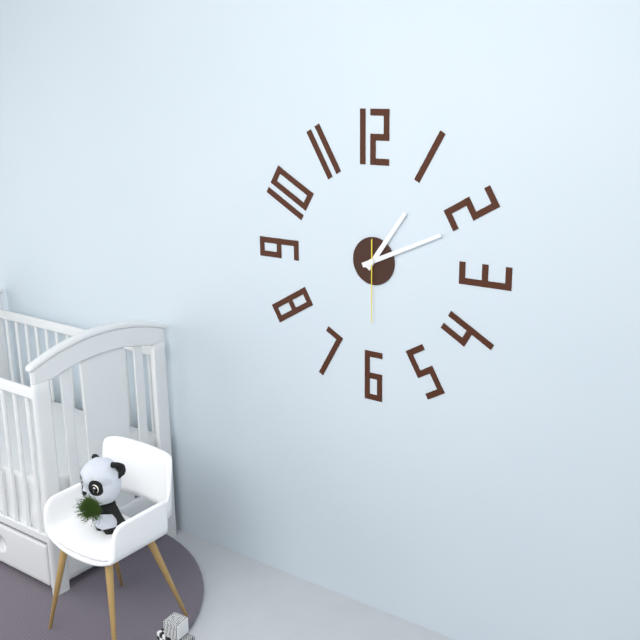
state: 1:11:30
